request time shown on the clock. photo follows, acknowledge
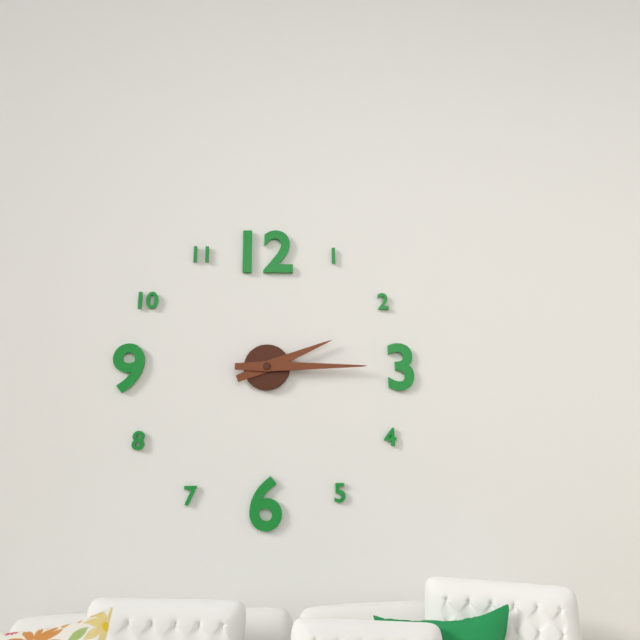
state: 2:15
